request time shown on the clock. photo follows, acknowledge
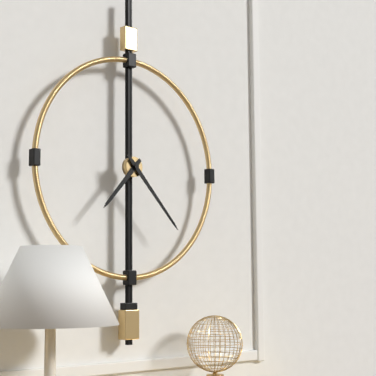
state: 7:23
